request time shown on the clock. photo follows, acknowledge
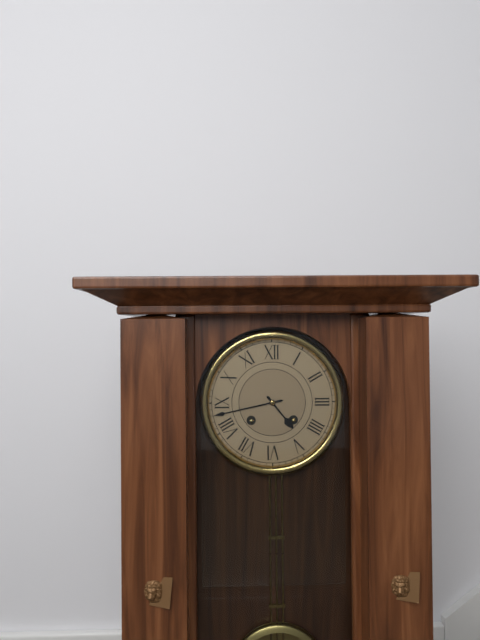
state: 4:43
